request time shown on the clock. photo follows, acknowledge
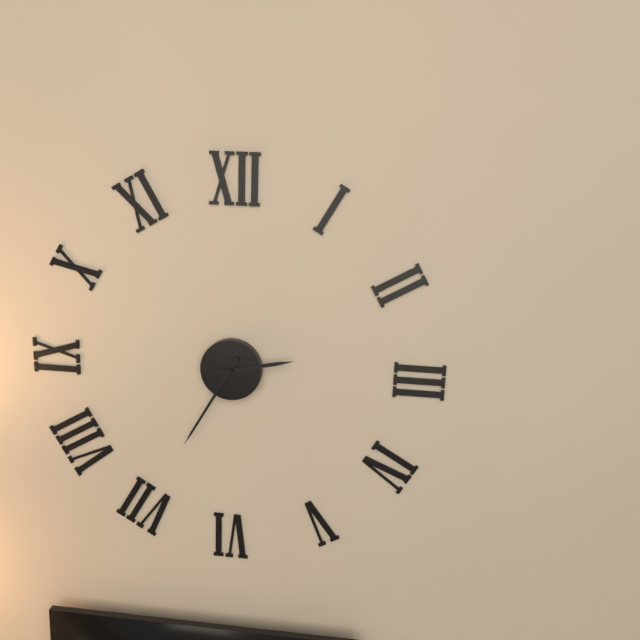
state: 2:35
